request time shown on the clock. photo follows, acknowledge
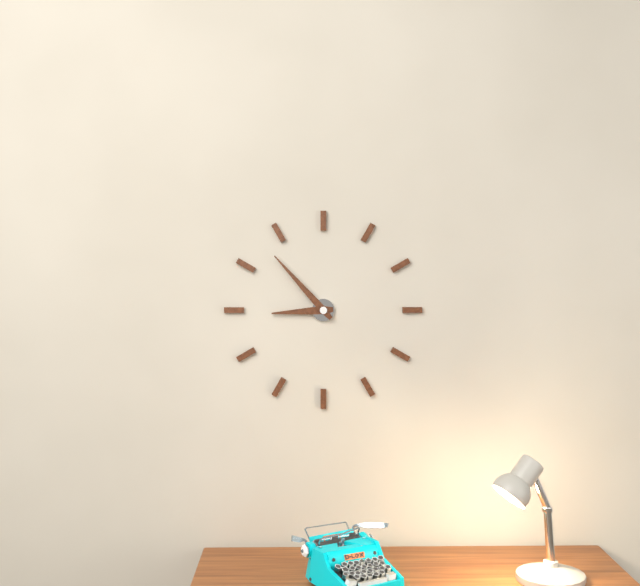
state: 8:53
